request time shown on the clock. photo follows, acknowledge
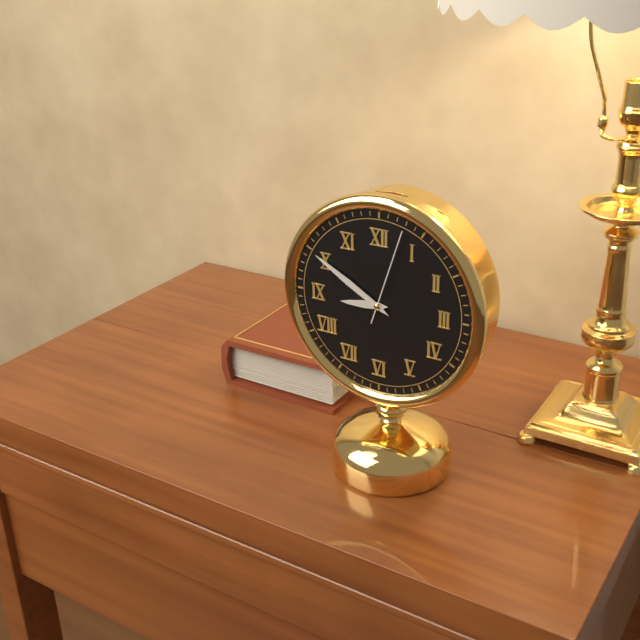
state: 8:50:03
